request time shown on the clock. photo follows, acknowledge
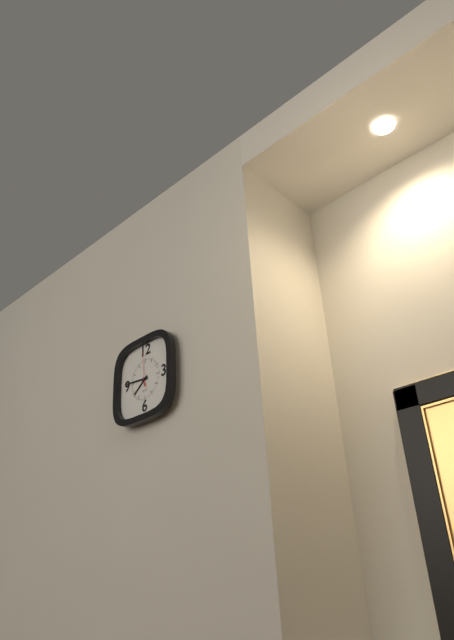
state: 7:46
